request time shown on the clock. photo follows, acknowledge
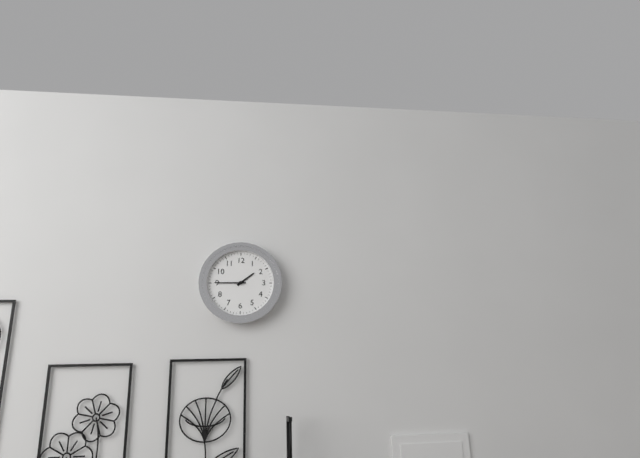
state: 1:45
